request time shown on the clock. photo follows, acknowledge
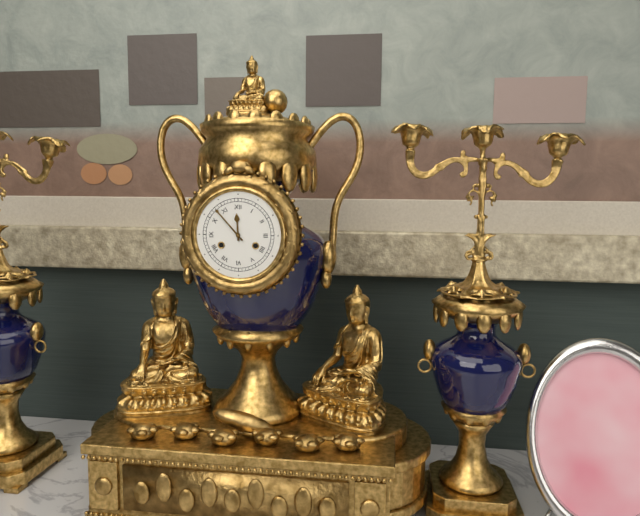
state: 11:53
